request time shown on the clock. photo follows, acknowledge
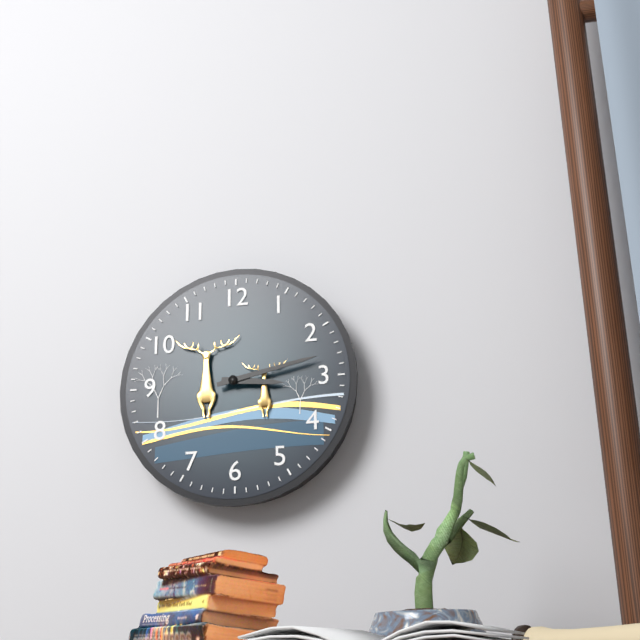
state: 3:13
